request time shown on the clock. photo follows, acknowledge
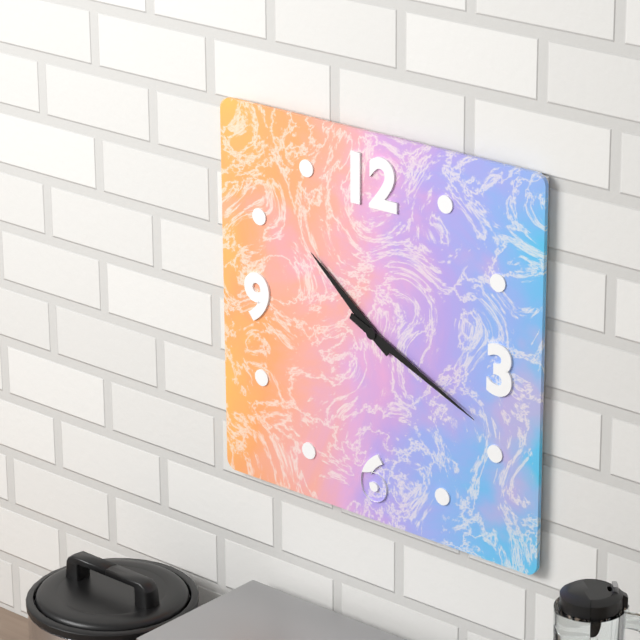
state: 10:19
